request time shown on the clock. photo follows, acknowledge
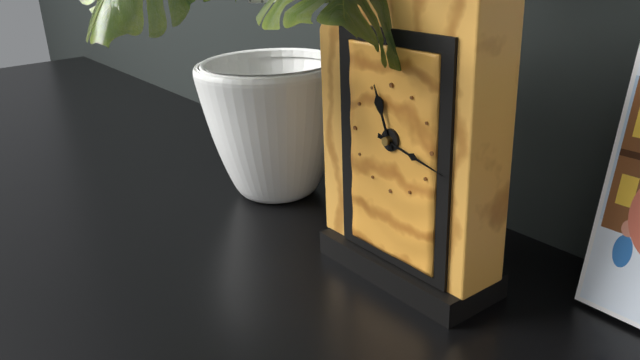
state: 11:17
